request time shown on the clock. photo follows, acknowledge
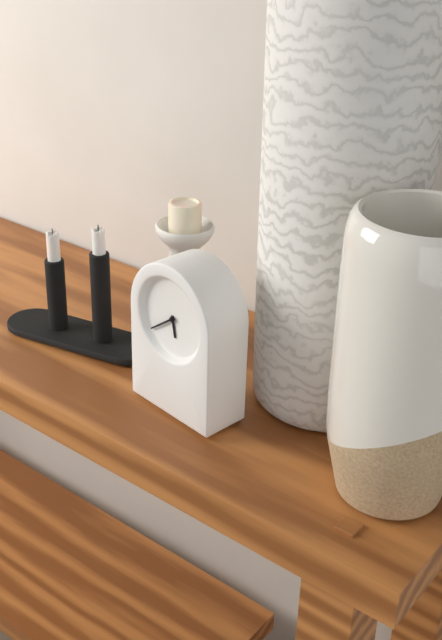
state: 5:39
